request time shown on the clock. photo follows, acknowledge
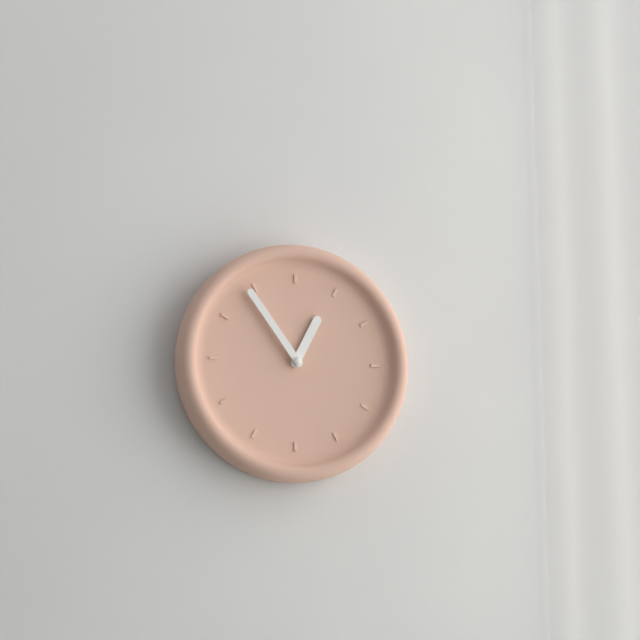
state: 12:54
